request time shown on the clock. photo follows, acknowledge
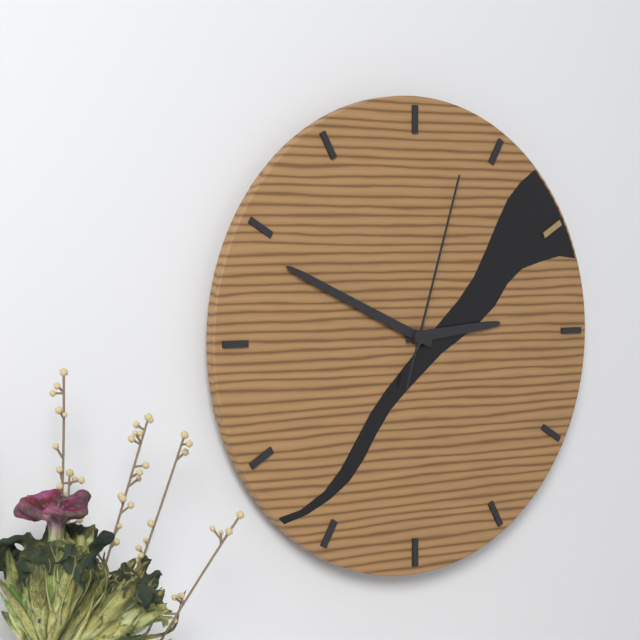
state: 2:49:03
